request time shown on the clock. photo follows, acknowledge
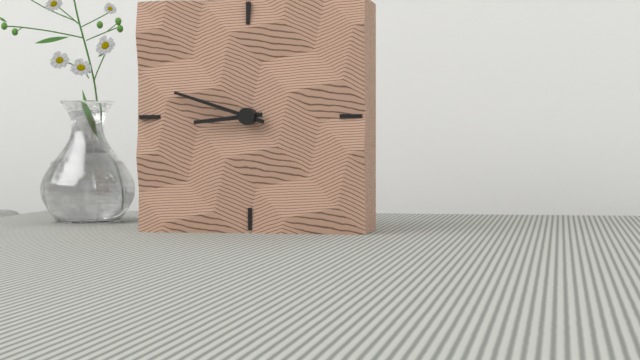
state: 8:48
